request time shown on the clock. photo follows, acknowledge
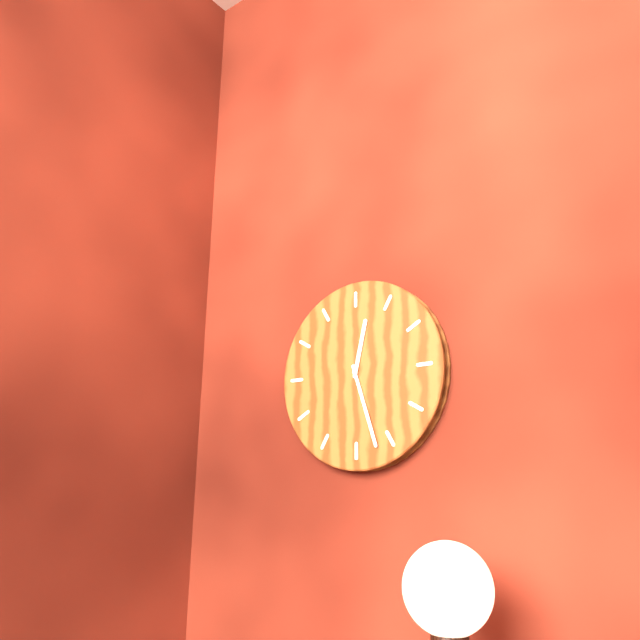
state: 12:27
